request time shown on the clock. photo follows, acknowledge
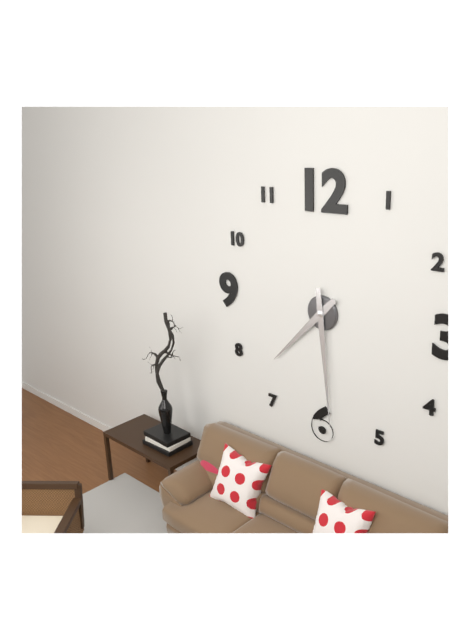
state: 7:29
